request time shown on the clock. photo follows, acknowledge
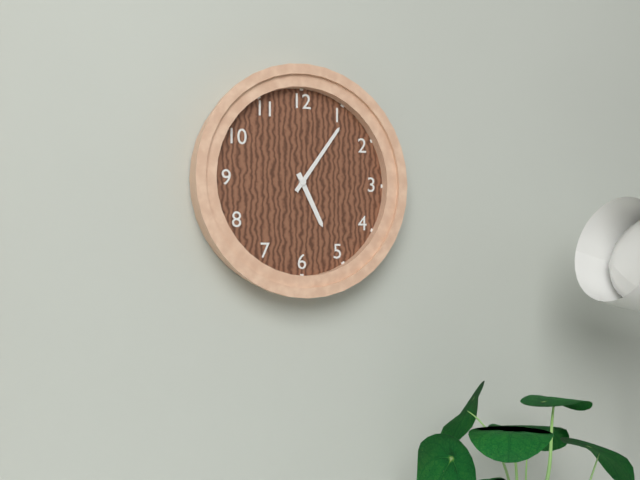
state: 5:06
